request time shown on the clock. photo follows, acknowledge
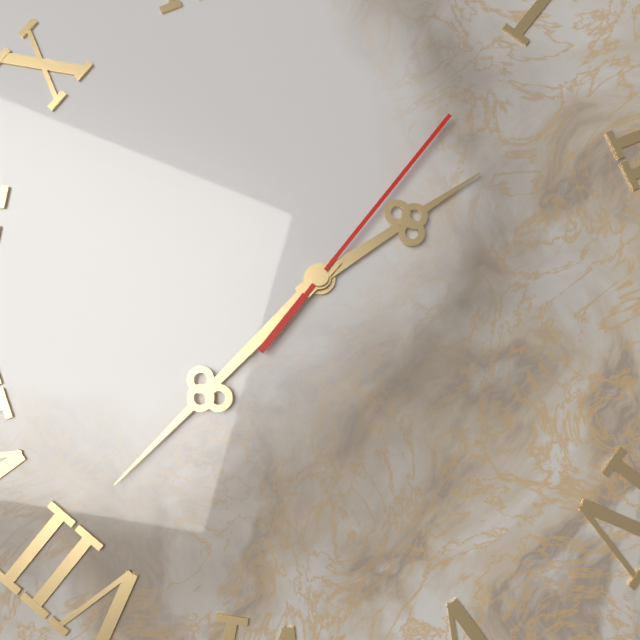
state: 1:36:05
